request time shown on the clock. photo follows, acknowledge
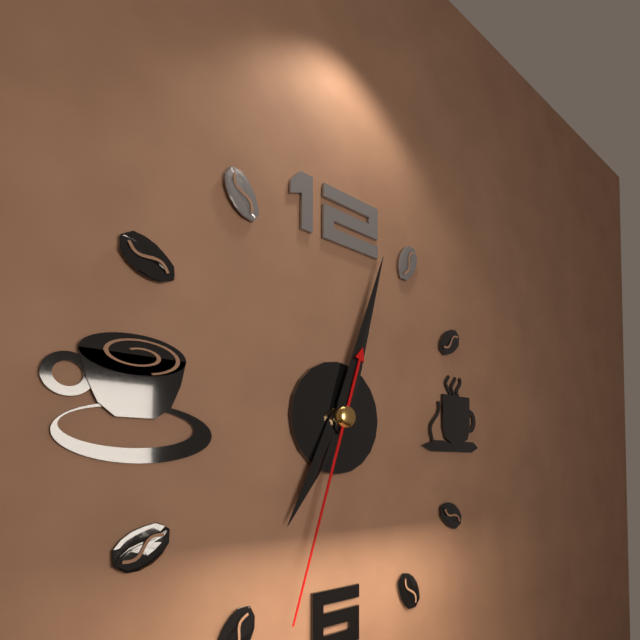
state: 7:03:33
